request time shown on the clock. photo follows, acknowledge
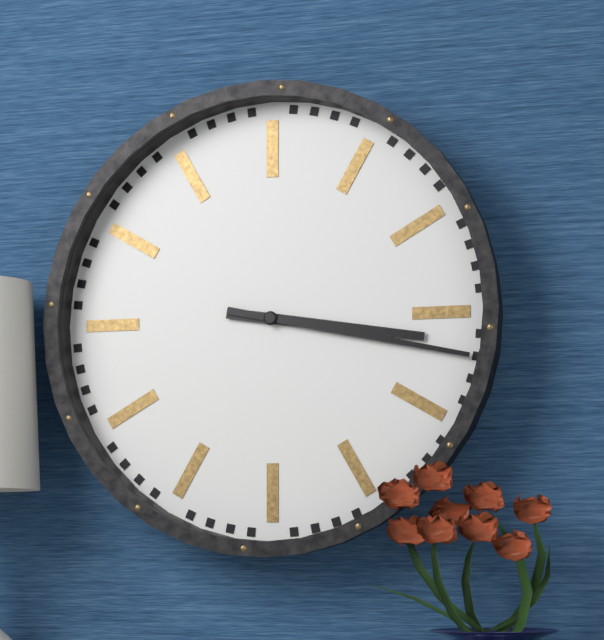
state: 3:17
